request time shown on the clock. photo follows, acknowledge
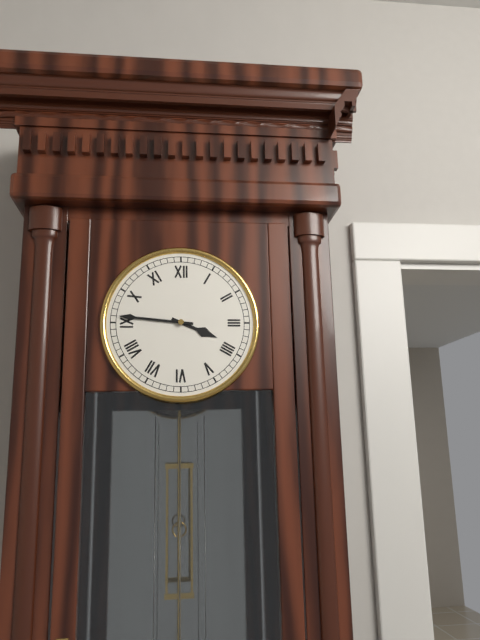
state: 3:46
